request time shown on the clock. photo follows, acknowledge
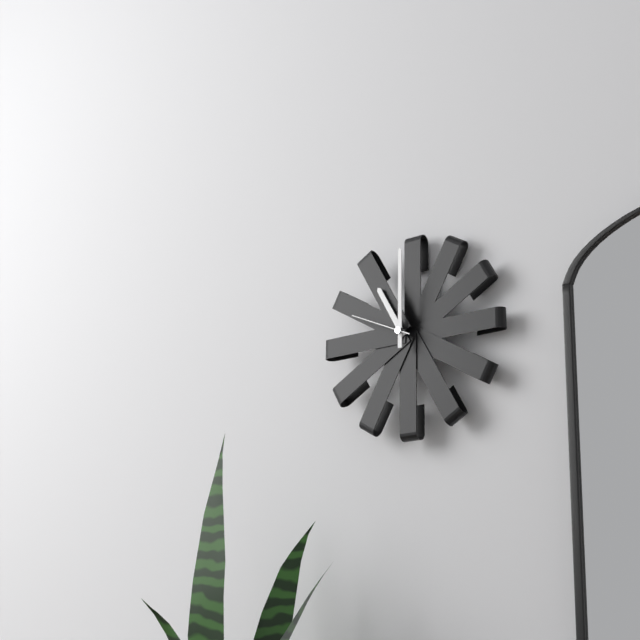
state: 11:00:49
